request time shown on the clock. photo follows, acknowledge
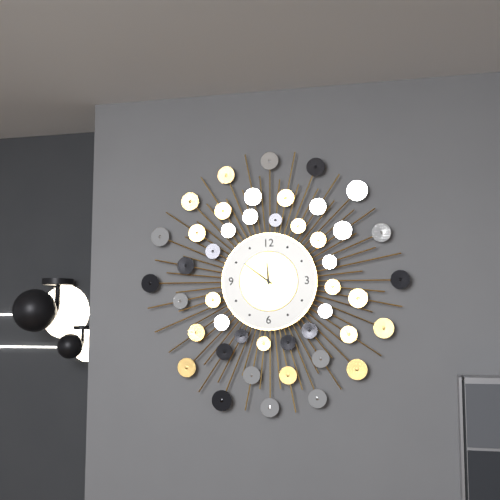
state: 11:51
